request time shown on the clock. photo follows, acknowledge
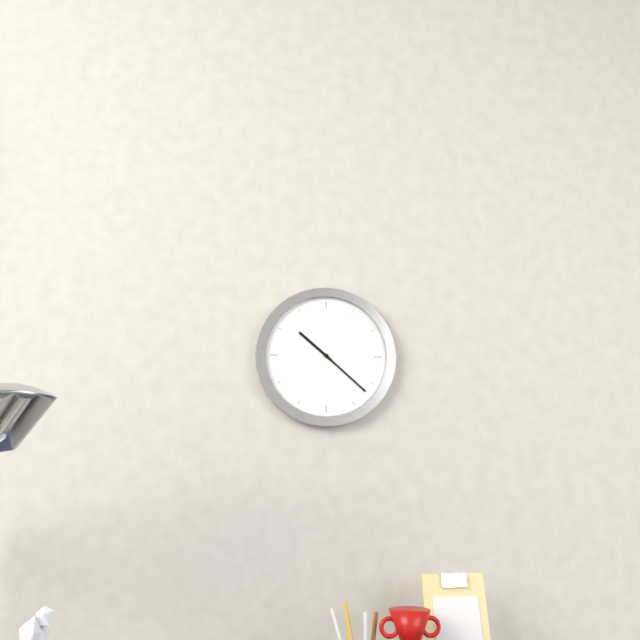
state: 10:22
